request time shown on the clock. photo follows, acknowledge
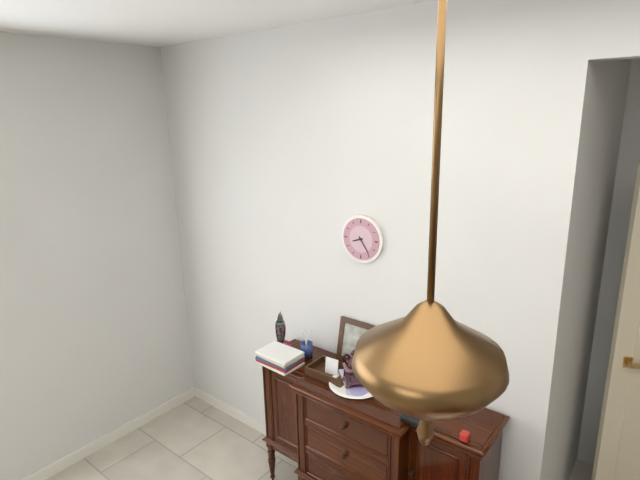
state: 8:24
